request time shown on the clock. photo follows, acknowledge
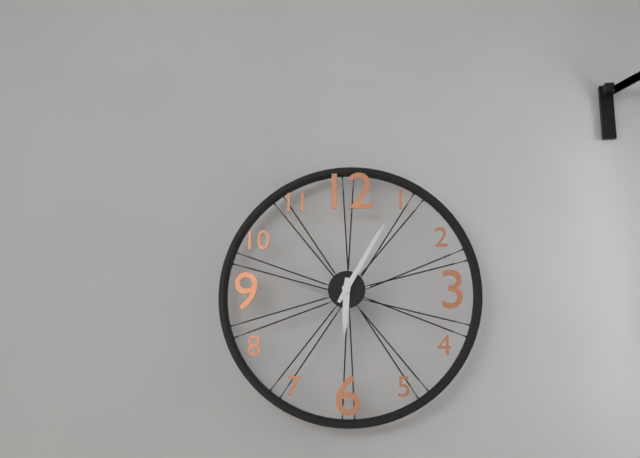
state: 6:05
